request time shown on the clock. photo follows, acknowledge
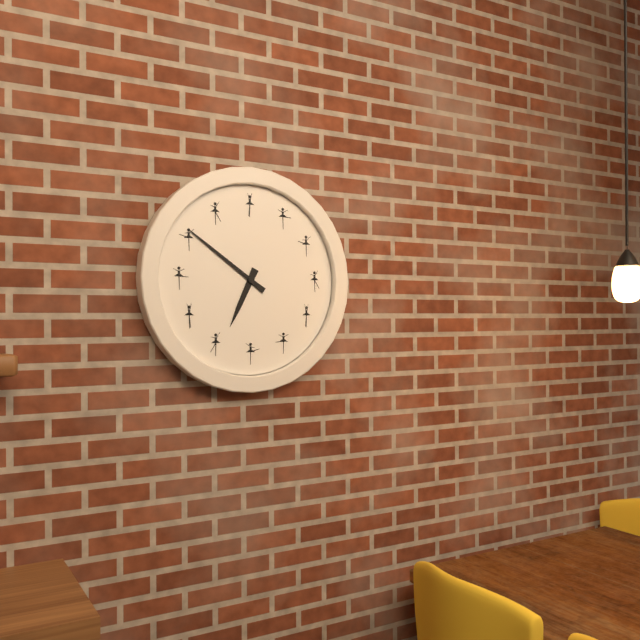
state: 6:51
